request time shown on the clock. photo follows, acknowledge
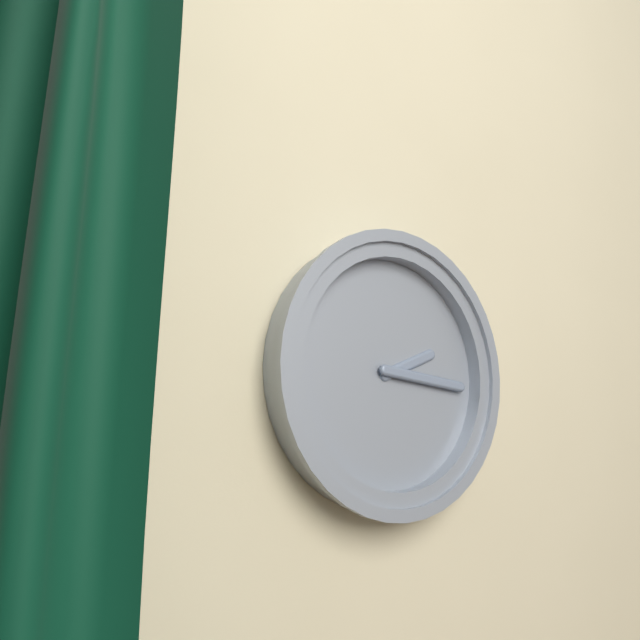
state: 2:16
